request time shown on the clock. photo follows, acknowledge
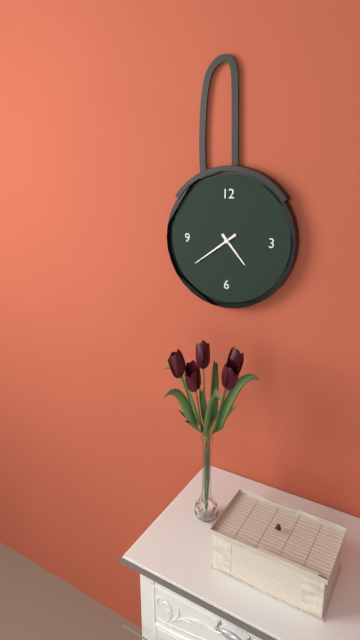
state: 4:39
